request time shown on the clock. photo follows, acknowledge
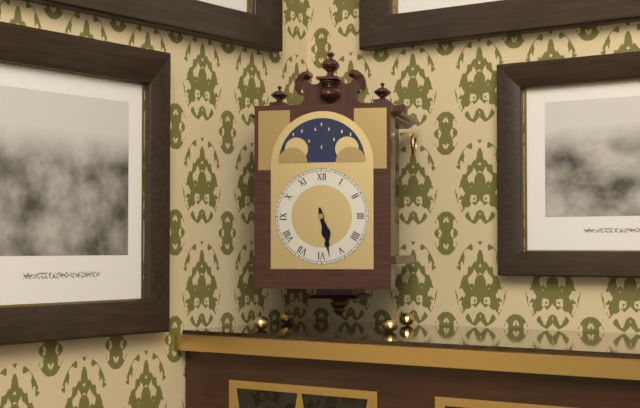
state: 5:28
